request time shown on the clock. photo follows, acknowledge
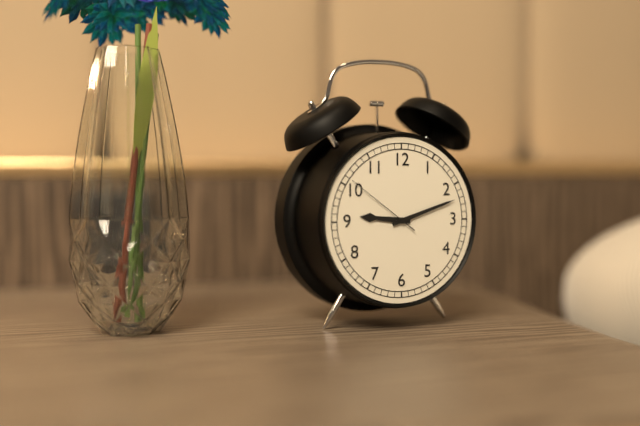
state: 9:12:51
